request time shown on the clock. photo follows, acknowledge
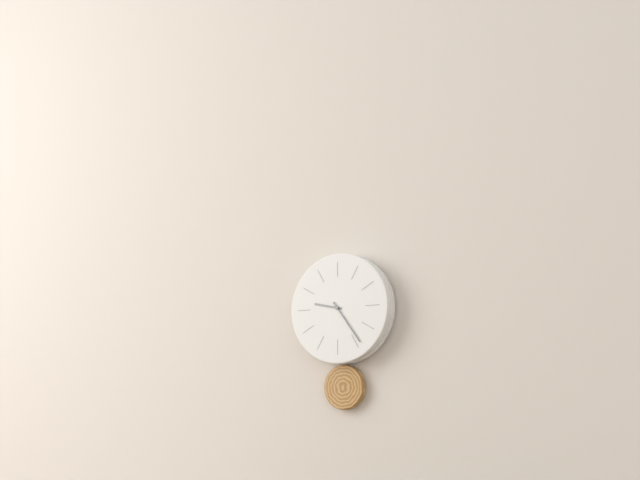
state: 9:24
